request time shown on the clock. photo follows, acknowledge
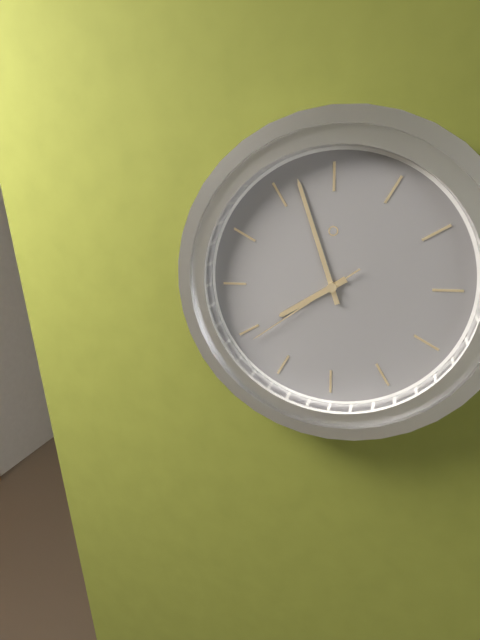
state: 7:57:39
